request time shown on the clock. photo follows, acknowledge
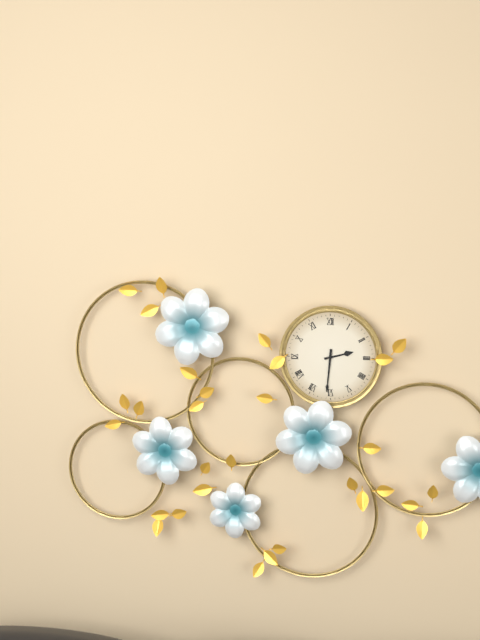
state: 2:31
